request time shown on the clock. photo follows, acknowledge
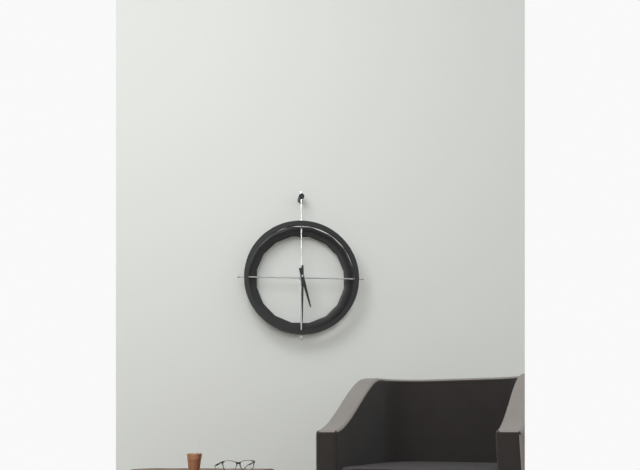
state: 5:30
